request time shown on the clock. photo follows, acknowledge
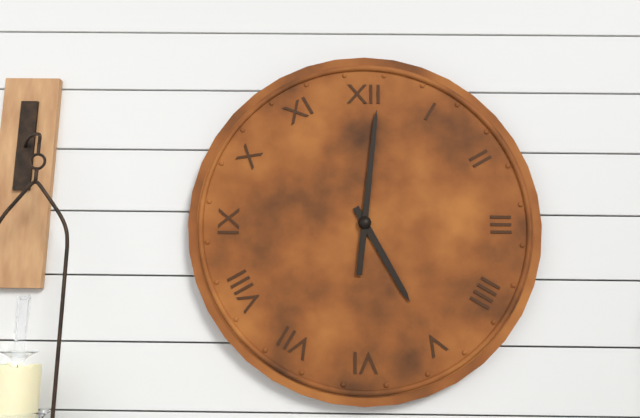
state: 5:01
